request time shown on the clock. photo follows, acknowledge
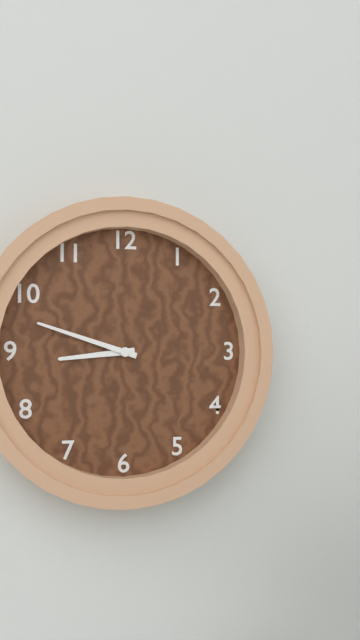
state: 8:48
